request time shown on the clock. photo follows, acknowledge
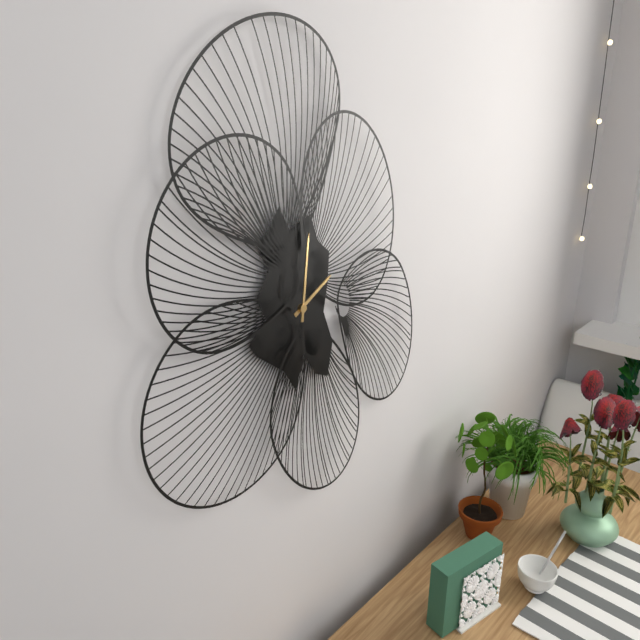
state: 2:01
